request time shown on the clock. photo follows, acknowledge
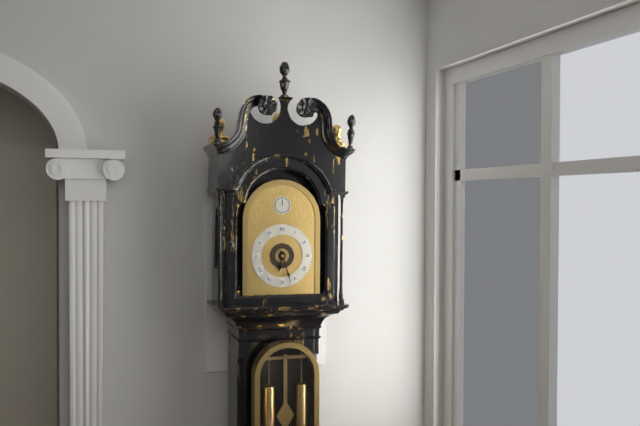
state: 6:27
